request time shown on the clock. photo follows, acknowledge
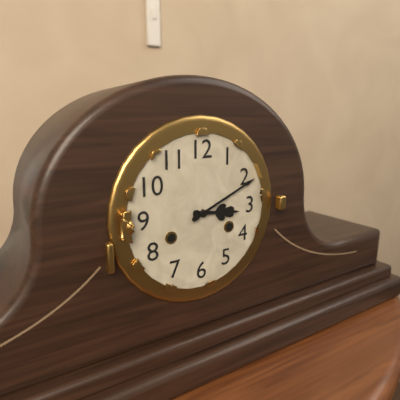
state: 3:11
